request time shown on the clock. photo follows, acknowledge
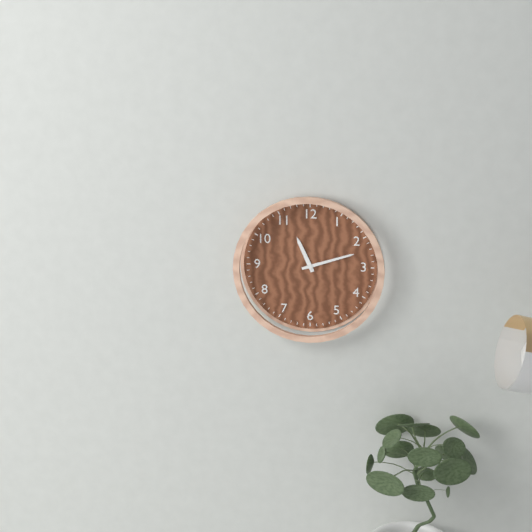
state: 11:12
